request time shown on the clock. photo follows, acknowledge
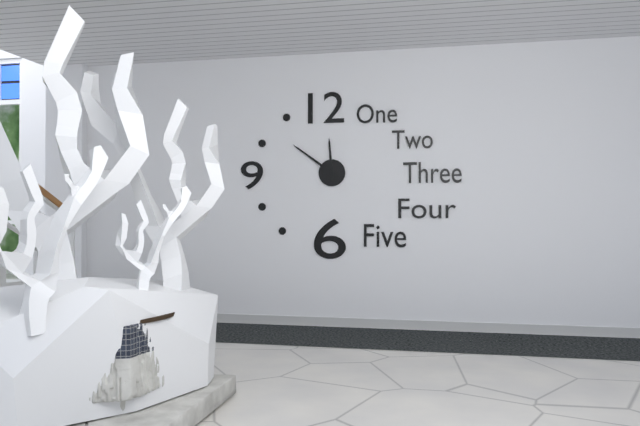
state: 11:51
